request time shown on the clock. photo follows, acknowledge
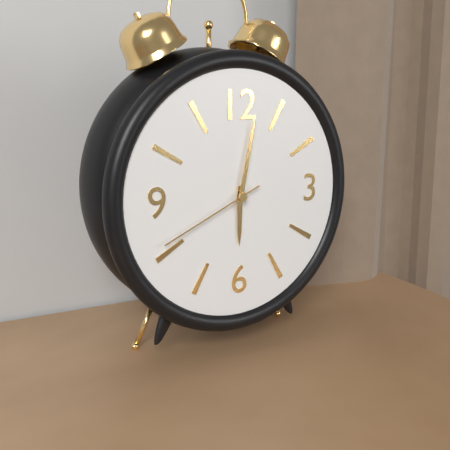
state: 6:02:41
